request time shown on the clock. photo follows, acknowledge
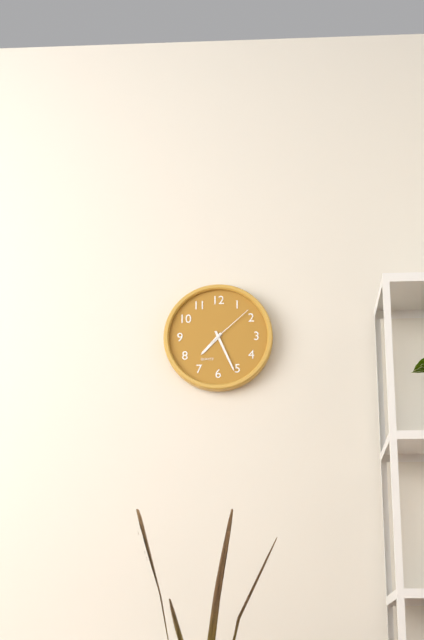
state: 7:26:08
